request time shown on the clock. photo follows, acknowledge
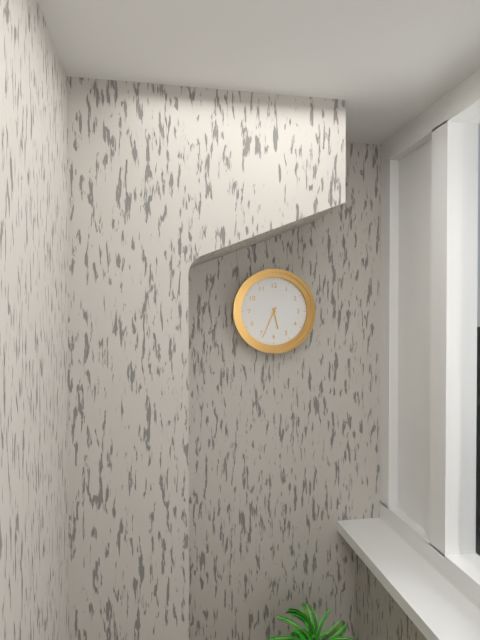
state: 5:34
